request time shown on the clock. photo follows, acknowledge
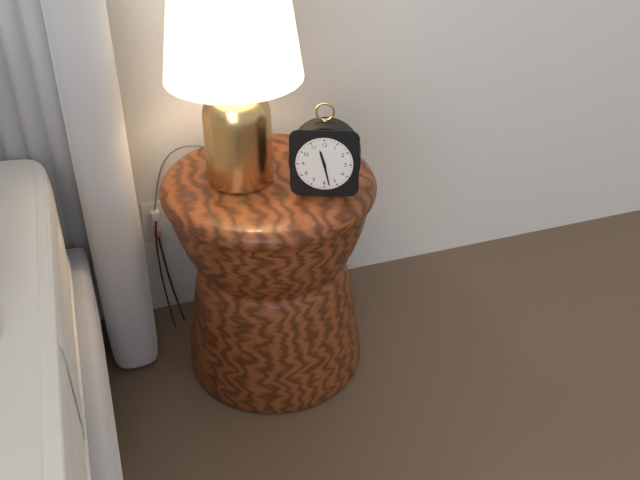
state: 11:28
